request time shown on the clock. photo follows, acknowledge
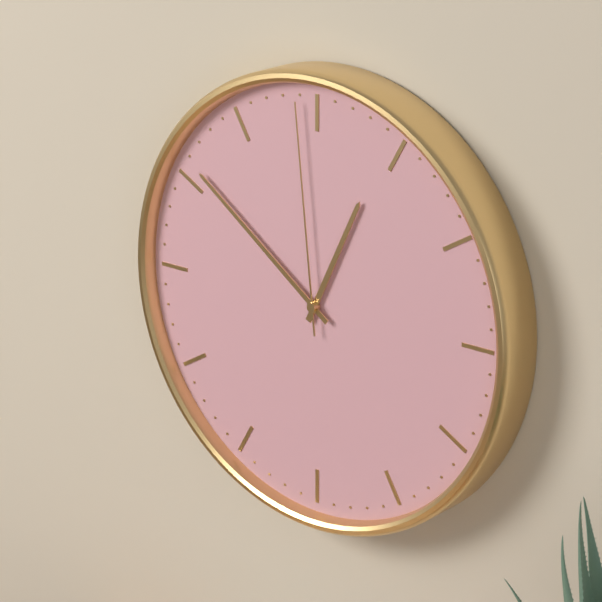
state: 12:51:59
